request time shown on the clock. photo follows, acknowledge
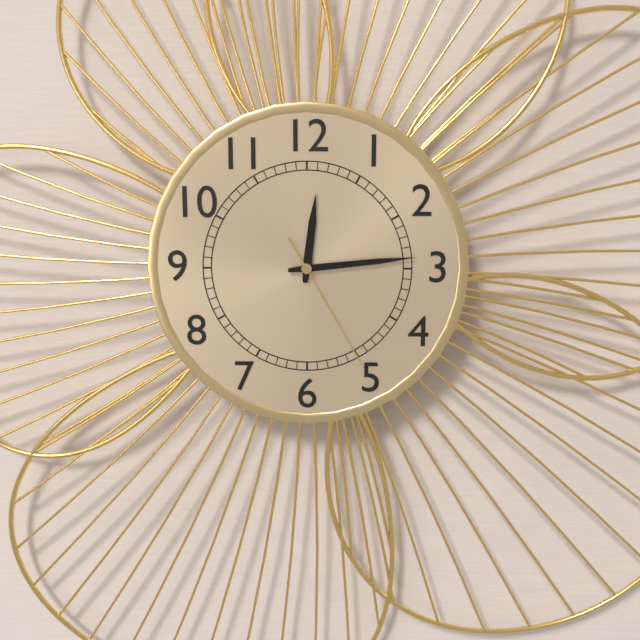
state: 12:14:25
